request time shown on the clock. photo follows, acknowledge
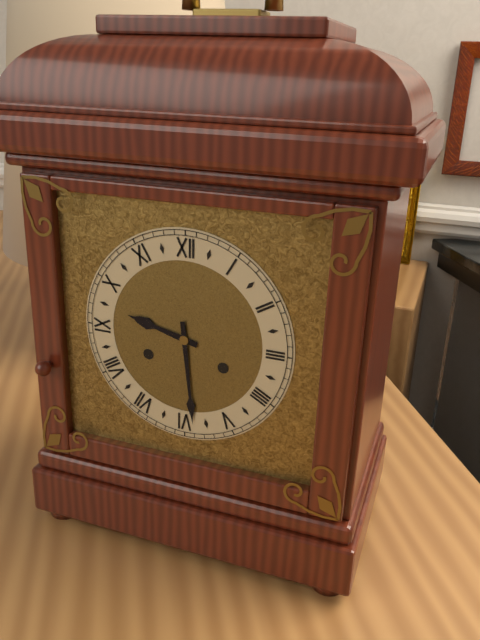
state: 9:29
